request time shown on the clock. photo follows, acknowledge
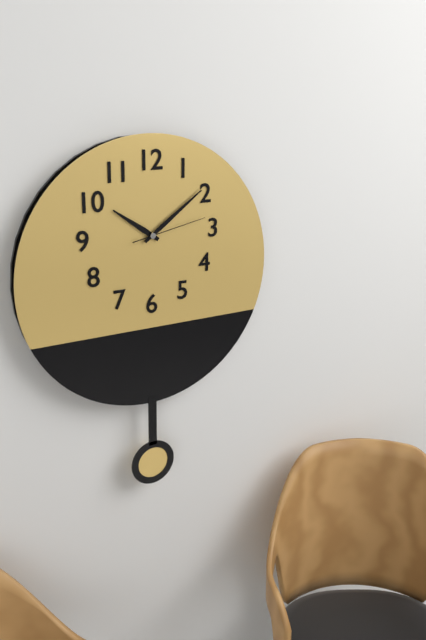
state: 10:09:13
